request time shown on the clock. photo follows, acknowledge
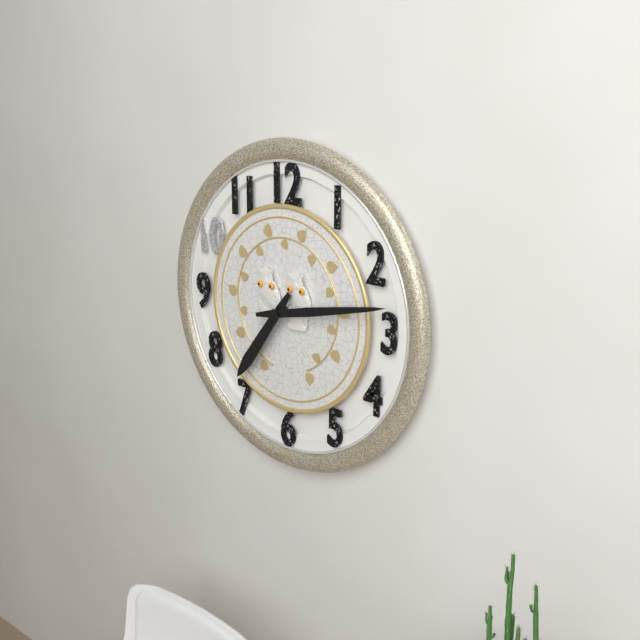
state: 7:13
